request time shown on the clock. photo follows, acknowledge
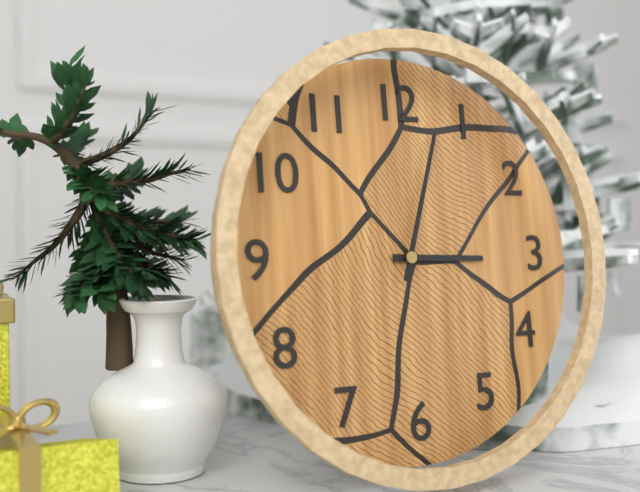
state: 3:03
